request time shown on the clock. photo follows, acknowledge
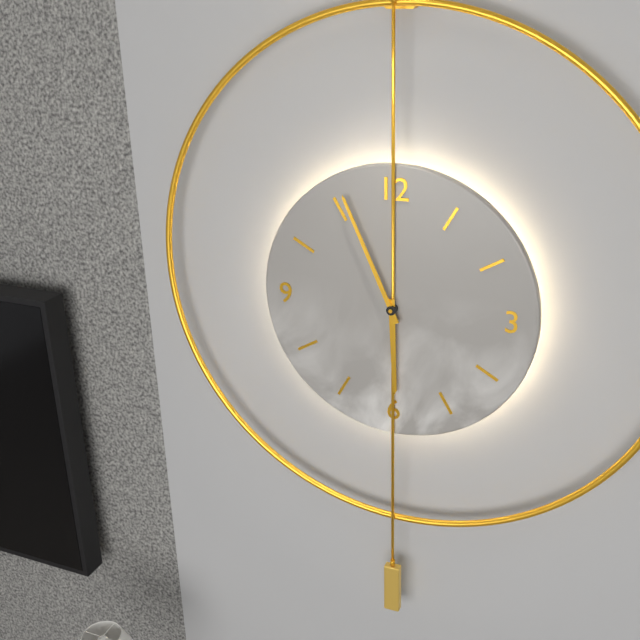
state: 5:56
